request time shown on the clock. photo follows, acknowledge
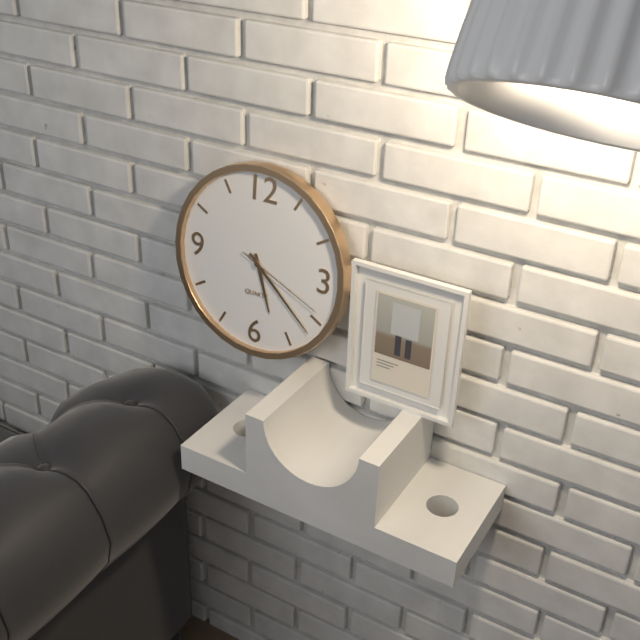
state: 5:22:19
